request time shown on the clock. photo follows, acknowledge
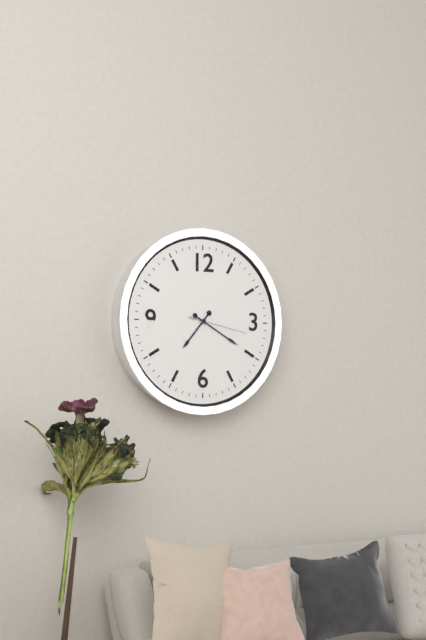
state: 7:20:17
